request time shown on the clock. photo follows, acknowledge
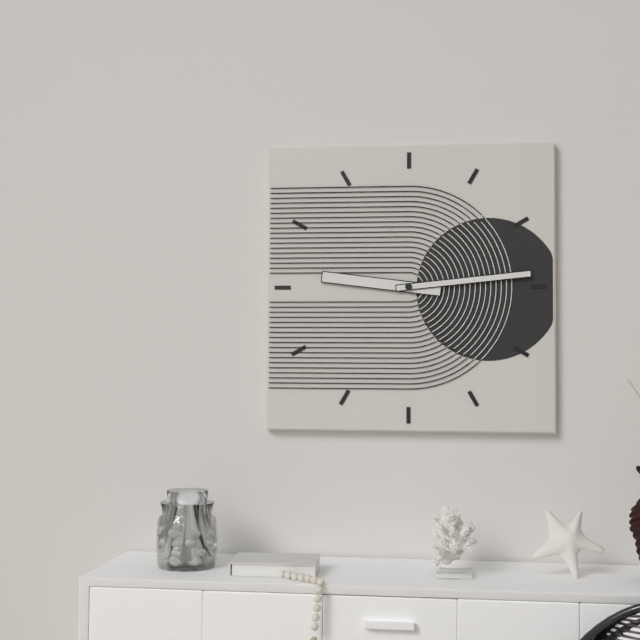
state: 9:14
